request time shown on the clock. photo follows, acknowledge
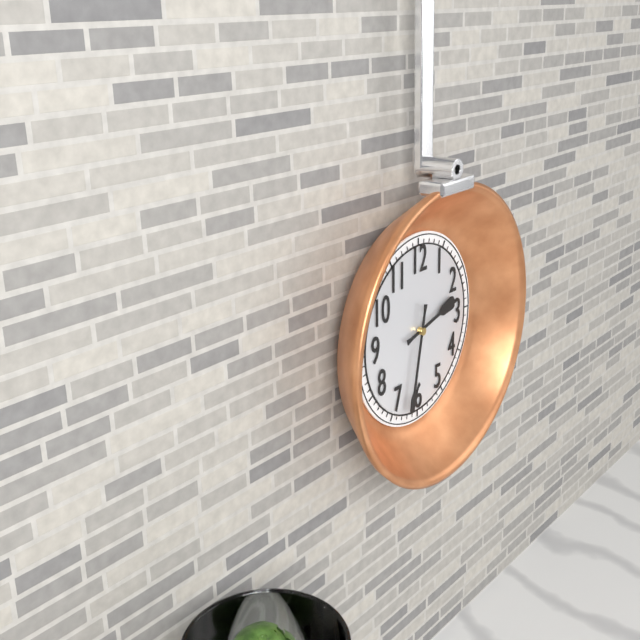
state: 2:32
